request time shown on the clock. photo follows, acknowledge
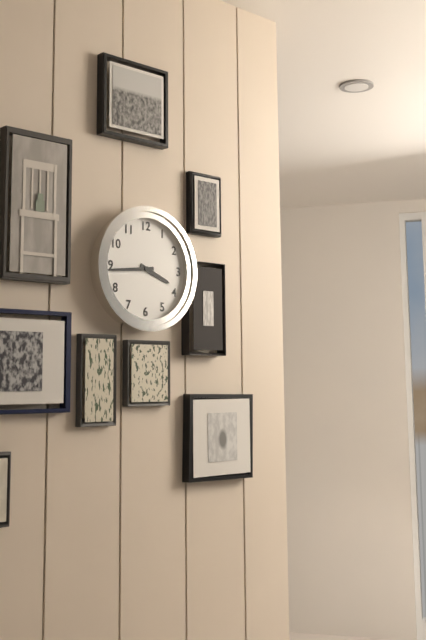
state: 3:44
